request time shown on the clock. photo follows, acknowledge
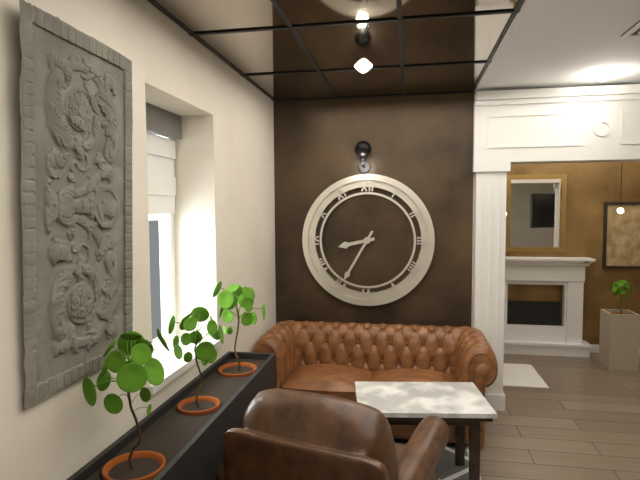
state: 8:35
